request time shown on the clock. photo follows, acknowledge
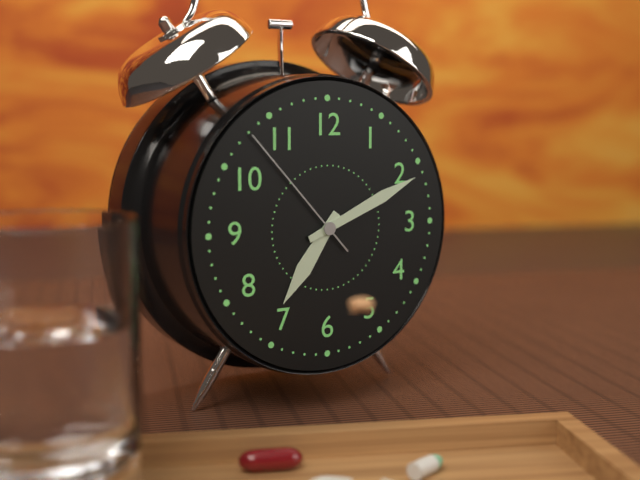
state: 7:11:53
